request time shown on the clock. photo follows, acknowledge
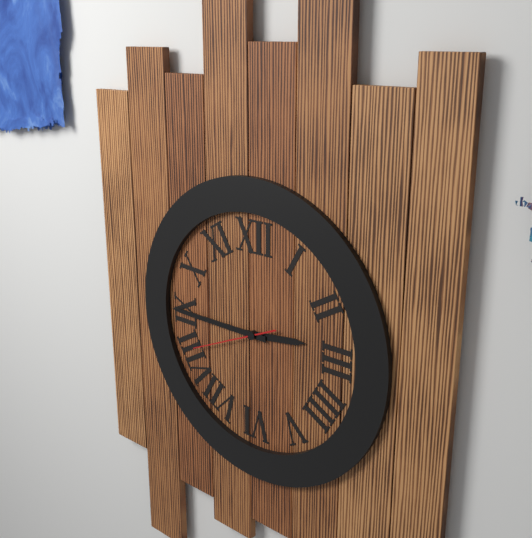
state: 2:45:41
